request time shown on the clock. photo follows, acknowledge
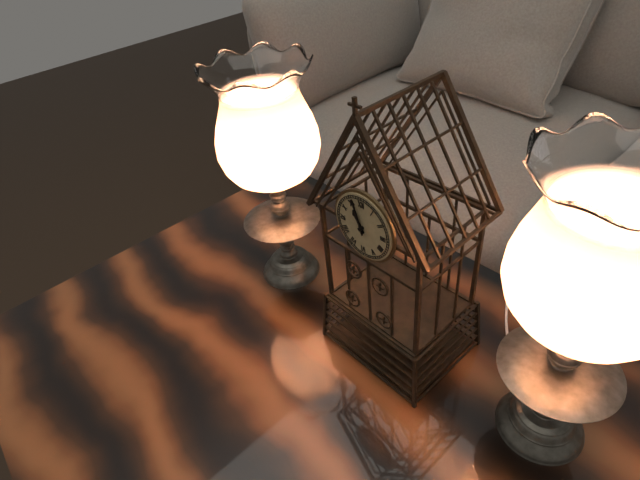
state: 10:57
